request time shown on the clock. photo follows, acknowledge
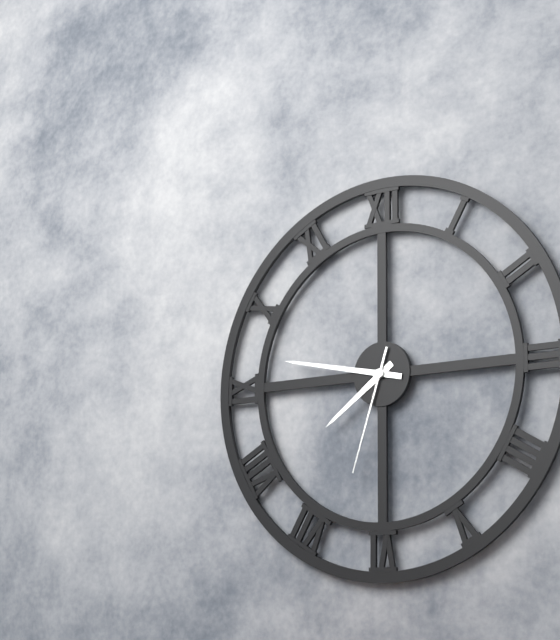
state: 7:47:33
